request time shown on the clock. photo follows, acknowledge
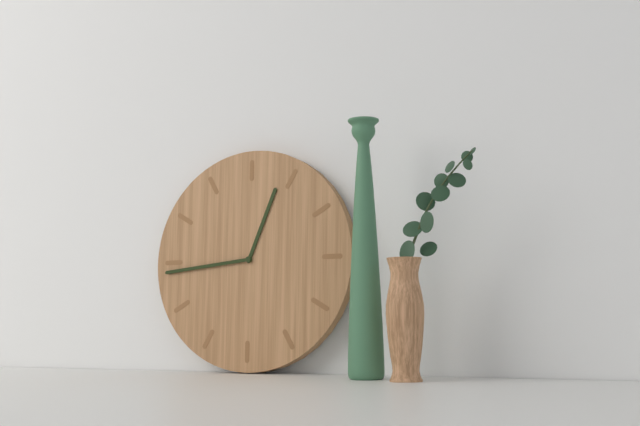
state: 12:44
